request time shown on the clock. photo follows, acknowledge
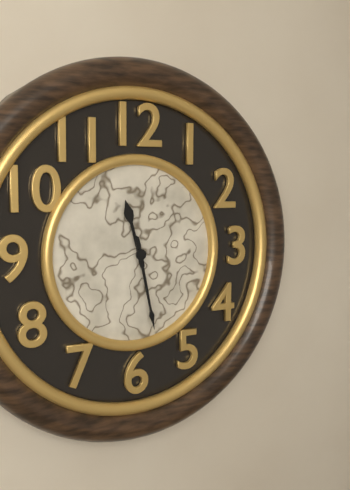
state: 11:28
